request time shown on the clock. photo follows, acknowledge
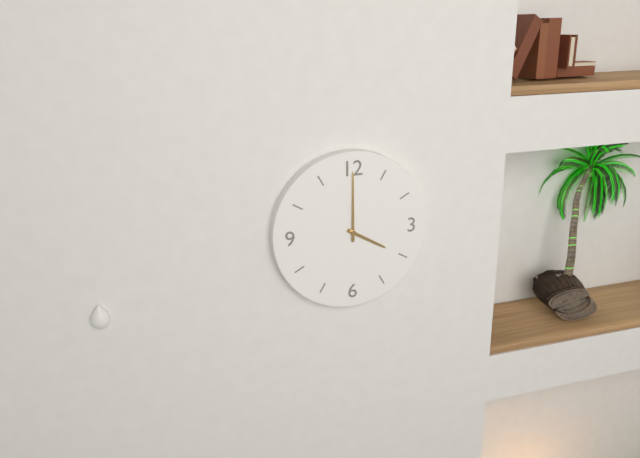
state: 4:00
